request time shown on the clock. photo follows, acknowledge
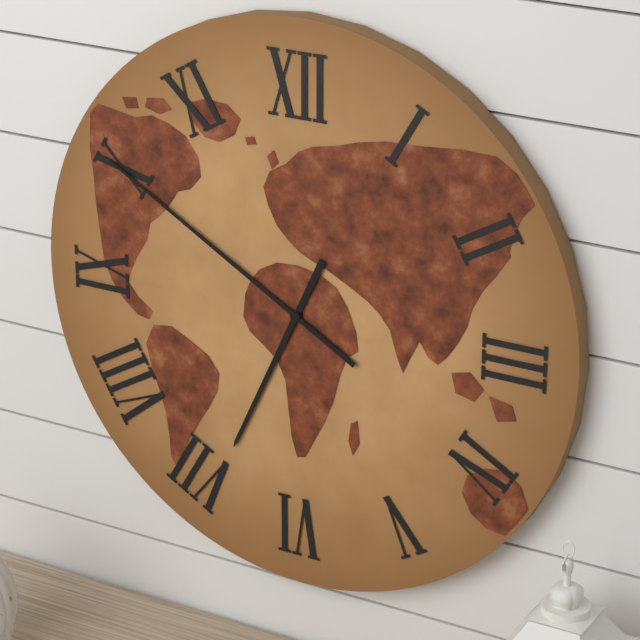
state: 6:50
